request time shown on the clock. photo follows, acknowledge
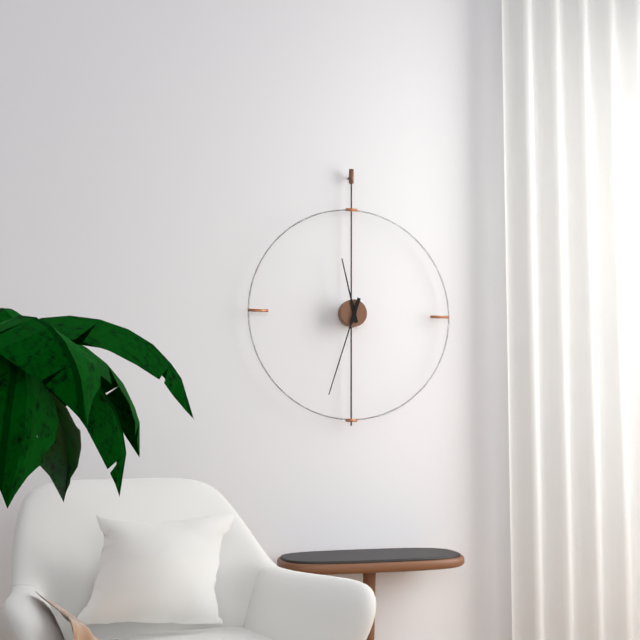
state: 11:33
